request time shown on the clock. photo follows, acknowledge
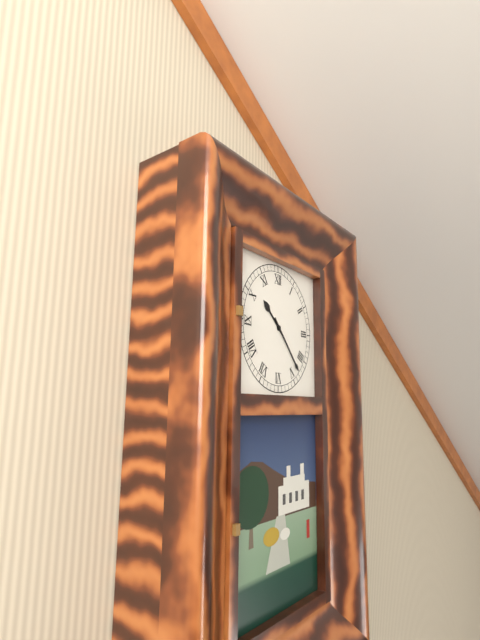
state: 10:23
